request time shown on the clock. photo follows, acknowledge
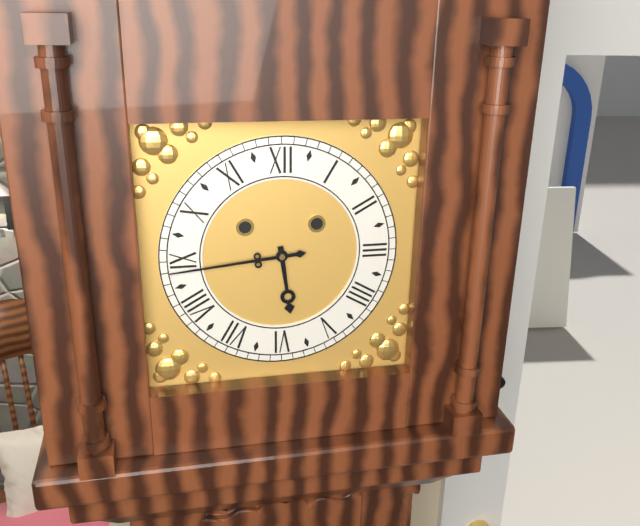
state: 5:44
